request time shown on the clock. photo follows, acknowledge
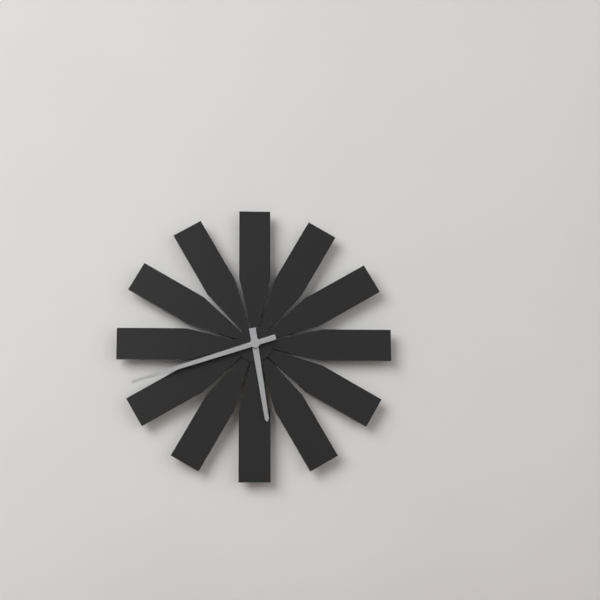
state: 5:42
